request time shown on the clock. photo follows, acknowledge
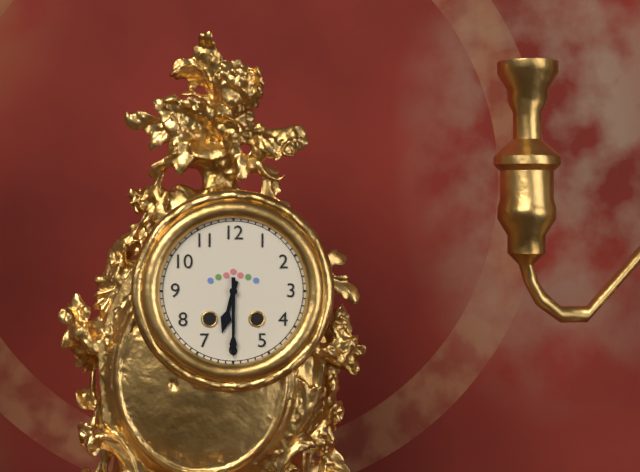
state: 6:30
